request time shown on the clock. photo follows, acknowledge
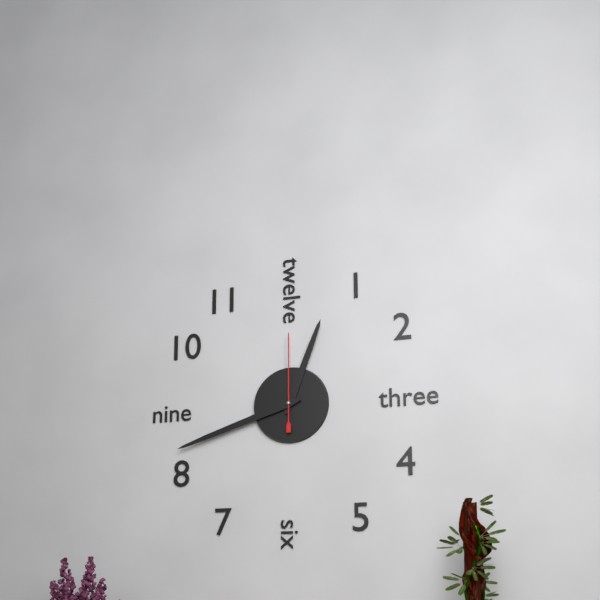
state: 12:42:00
